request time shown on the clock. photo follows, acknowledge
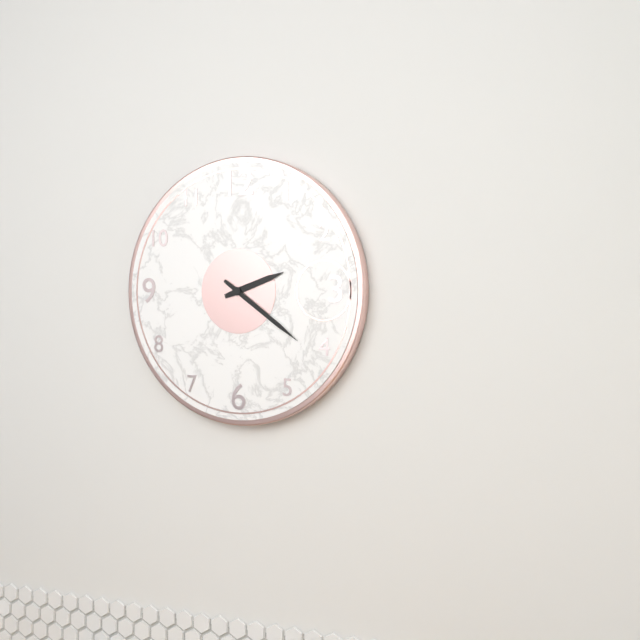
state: 2:21
